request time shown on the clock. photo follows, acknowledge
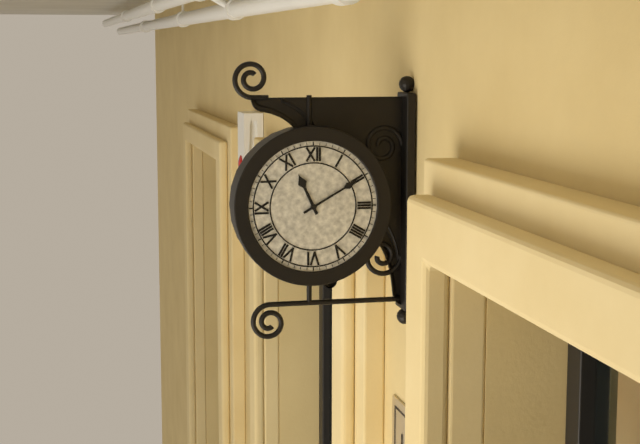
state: 11:10
